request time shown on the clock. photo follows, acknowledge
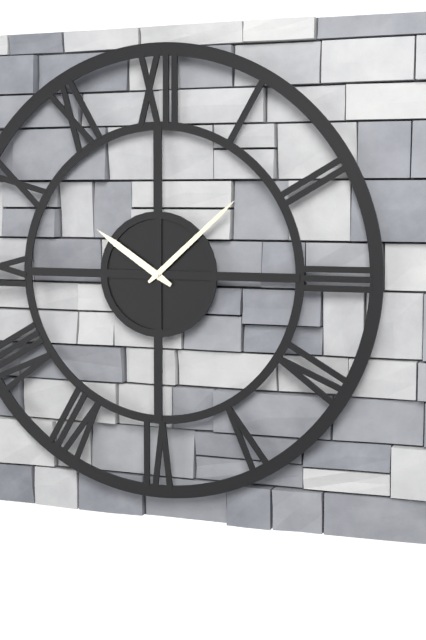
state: 10:08
